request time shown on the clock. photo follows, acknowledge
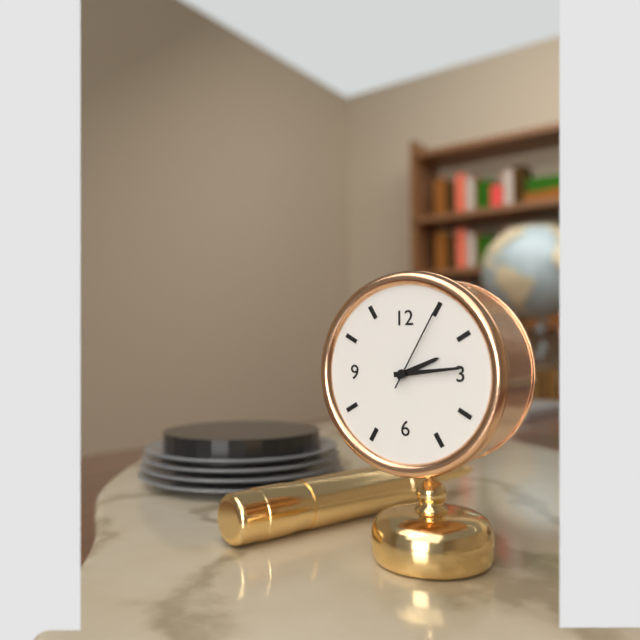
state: 2:14:05
